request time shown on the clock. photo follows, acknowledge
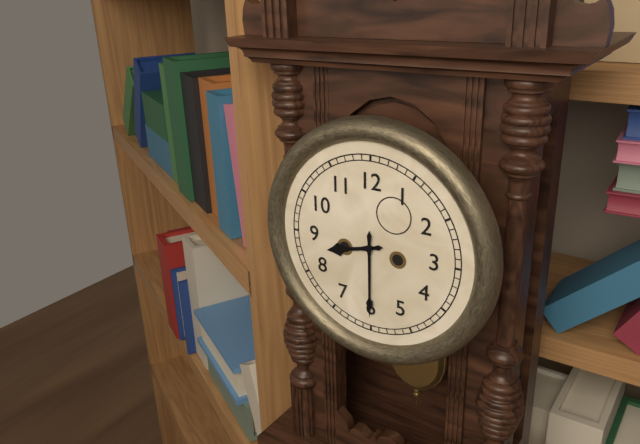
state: 8:30
